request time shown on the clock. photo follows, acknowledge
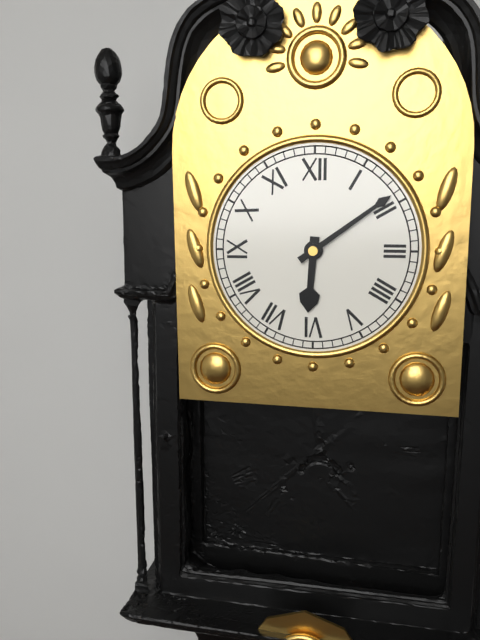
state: 6:09
